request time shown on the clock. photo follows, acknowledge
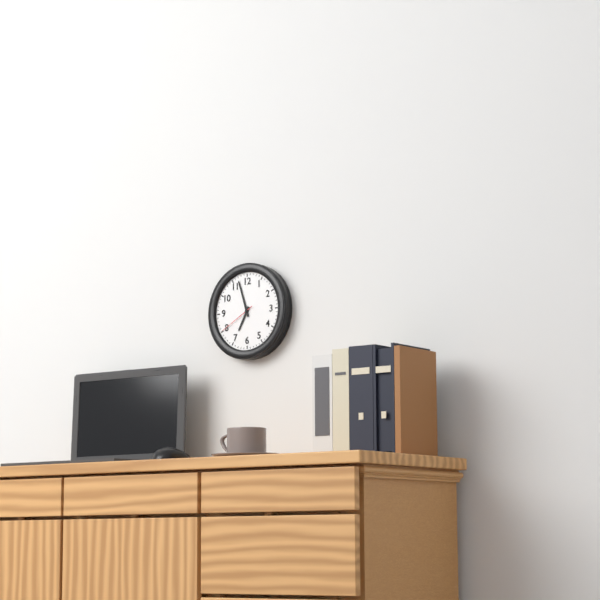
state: 6:57
